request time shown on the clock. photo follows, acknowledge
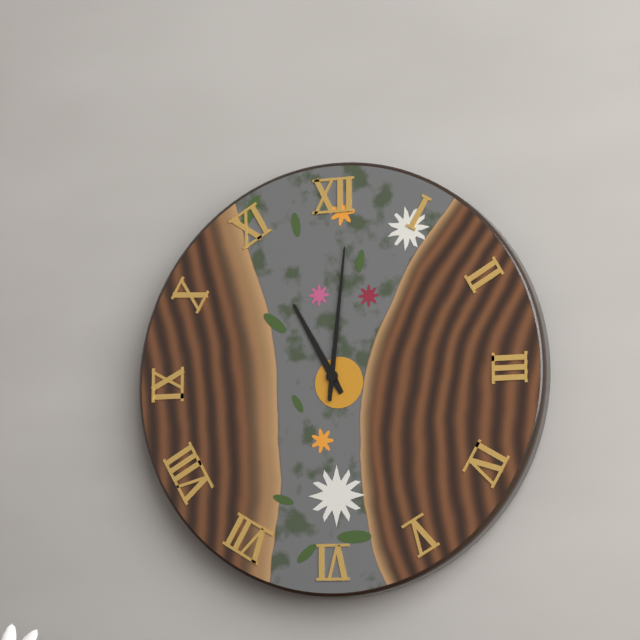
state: 11:01
